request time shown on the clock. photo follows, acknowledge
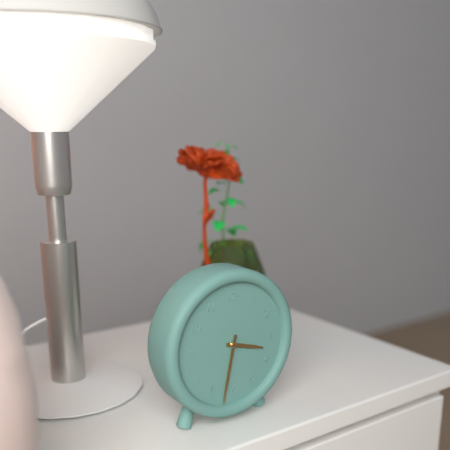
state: 3:32
